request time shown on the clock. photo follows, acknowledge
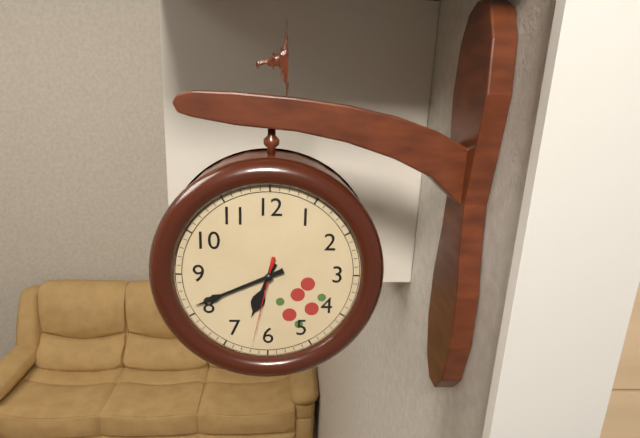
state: 6:41:32
